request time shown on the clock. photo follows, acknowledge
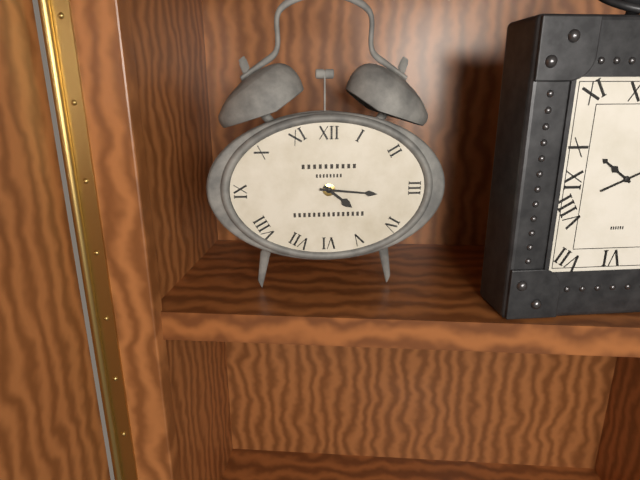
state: 4:16
